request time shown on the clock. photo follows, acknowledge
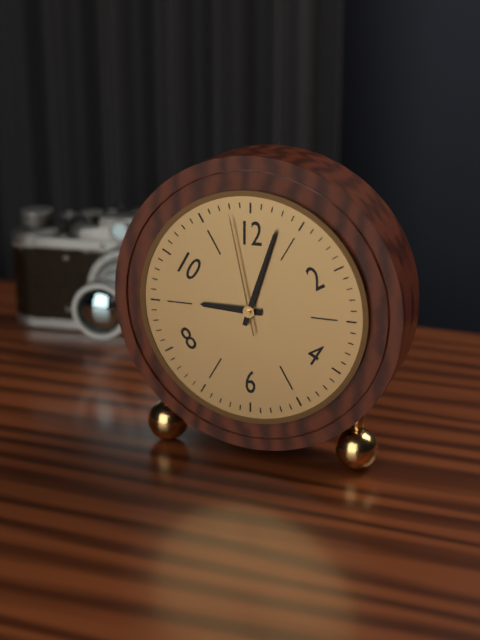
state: 9:03:58
